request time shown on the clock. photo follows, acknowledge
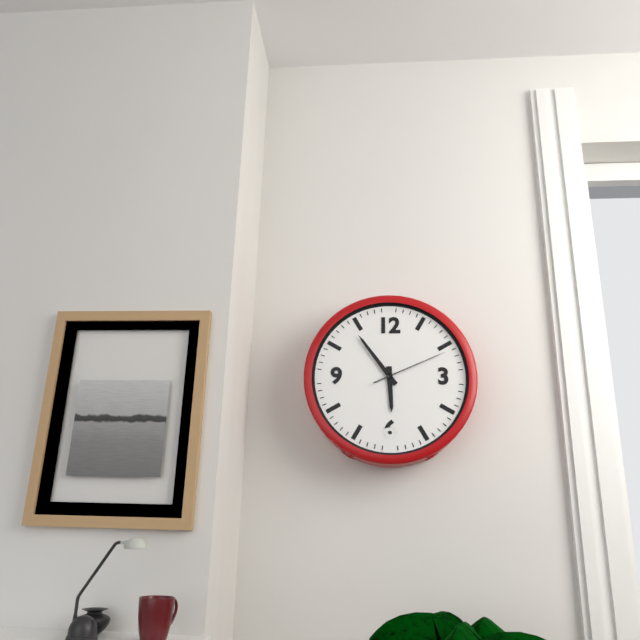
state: 5:54:11
